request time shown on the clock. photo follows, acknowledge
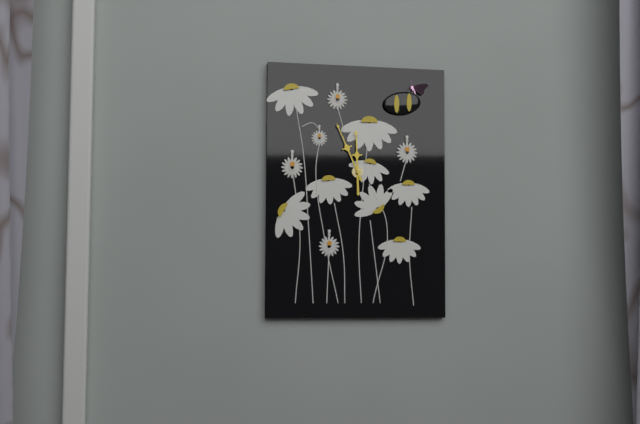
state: 11:56
